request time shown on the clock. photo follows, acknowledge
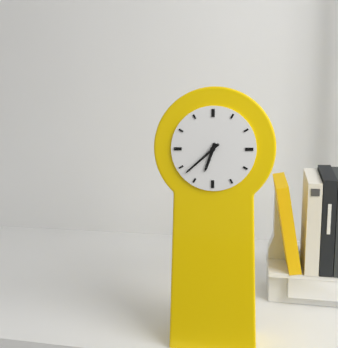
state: 6:38
